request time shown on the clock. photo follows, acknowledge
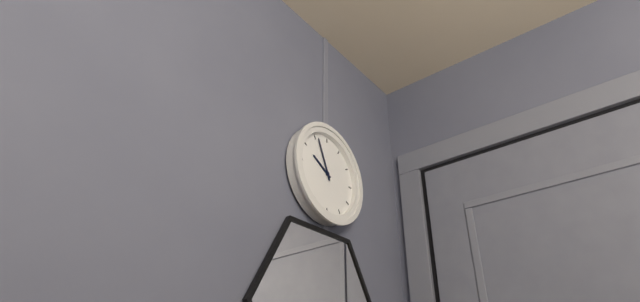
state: 9:56
